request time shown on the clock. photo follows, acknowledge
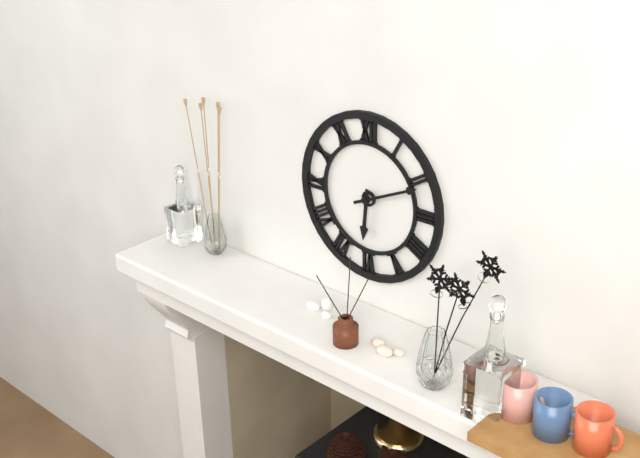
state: 6:11
